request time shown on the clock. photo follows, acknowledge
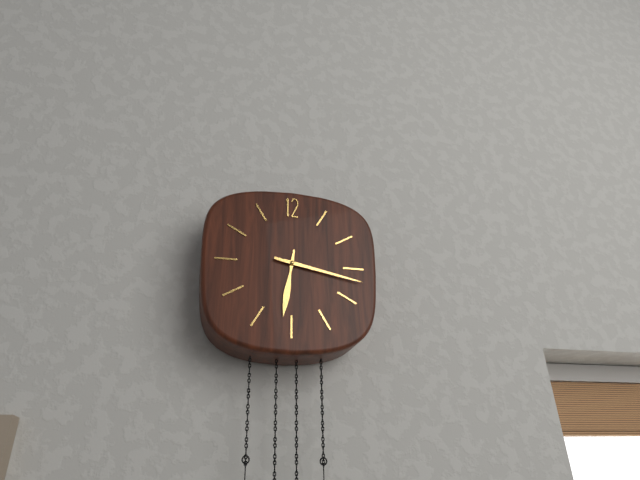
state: 6:17
